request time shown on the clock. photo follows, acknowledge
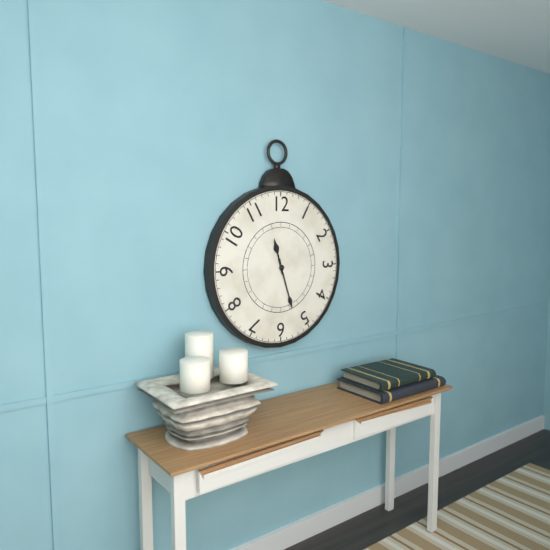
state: 11:27
